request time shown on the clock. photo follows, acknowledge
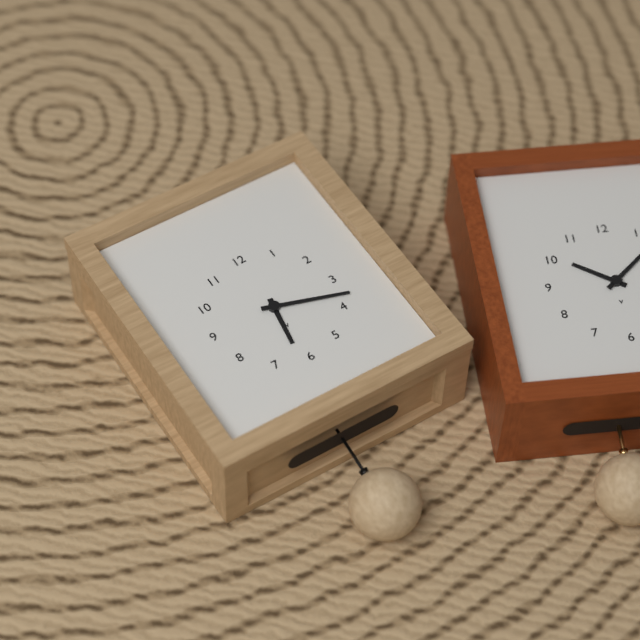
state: 6:18
